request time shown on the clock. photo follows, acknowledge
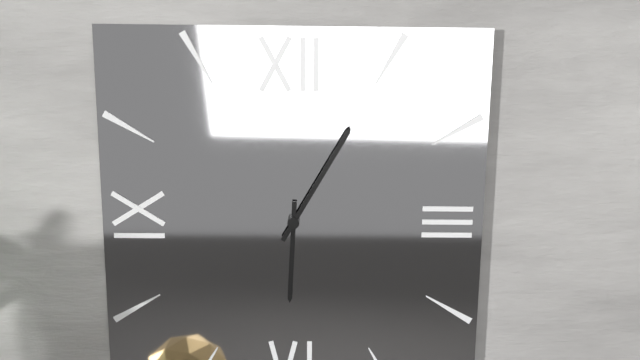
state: 6:05
